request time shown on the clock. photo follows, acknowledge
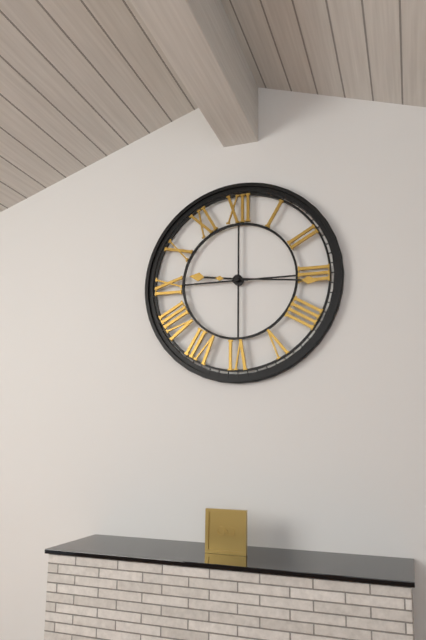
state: 9:16
